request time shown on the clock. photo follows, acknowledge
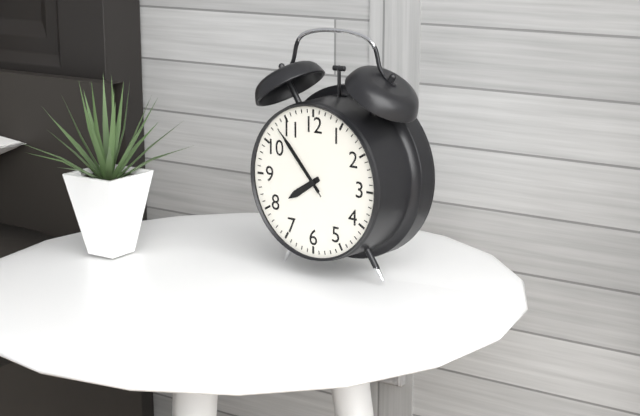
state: 7:53:53
